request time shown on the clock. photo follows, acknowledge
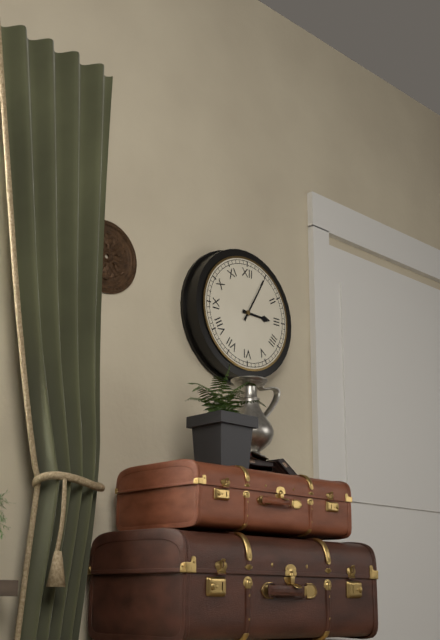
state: 3:05
